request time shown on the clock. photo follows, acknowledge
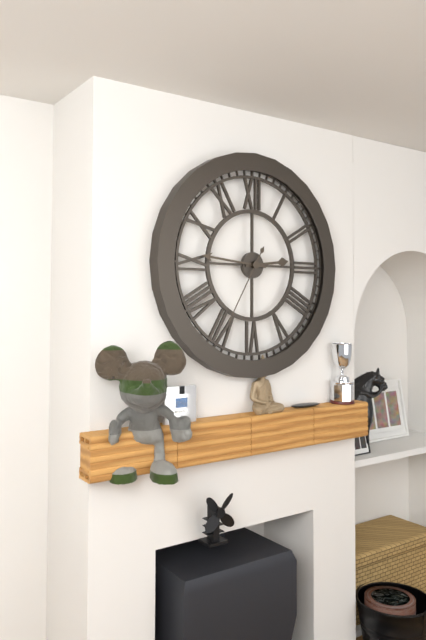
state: 2:46:35
